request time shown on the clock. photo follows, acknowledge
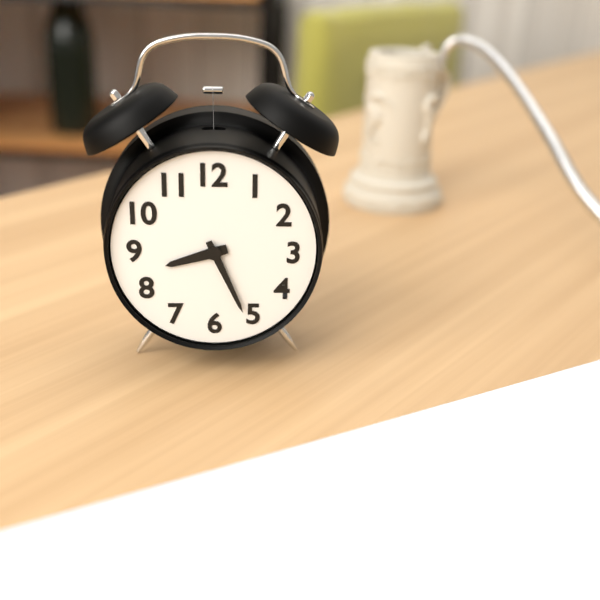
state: 8:26
